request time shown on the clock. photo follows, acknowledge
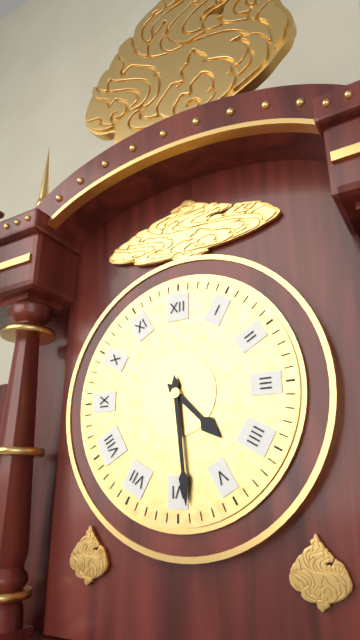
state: 4:29
